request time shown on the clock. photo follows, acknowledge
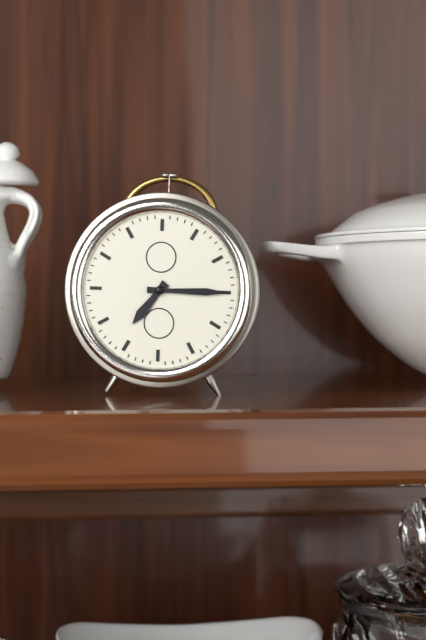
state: 7:15
